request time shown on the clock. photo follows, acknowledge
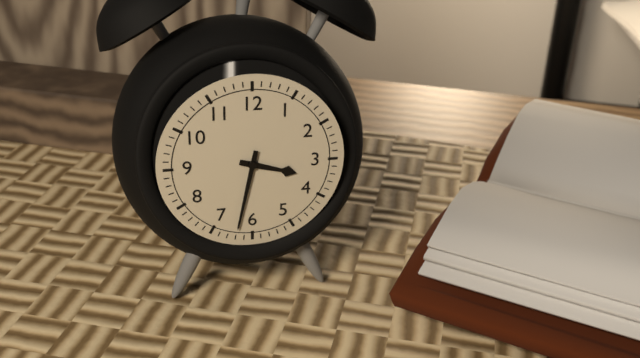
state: 3:32
